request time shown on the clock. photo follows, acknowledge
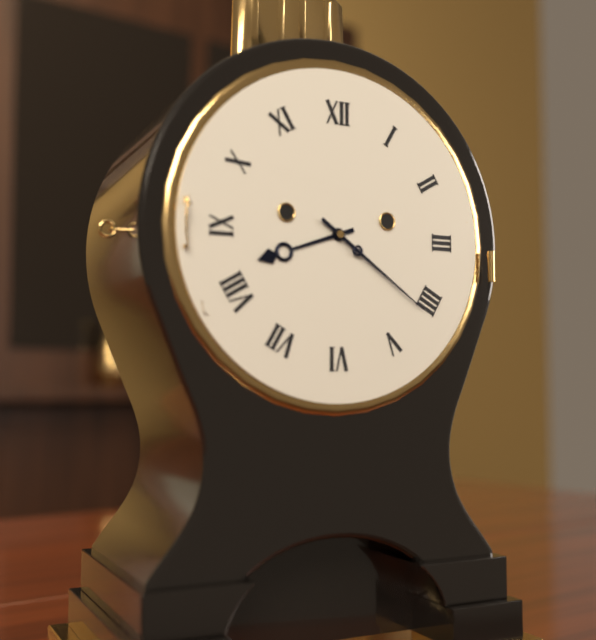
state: 8:21
